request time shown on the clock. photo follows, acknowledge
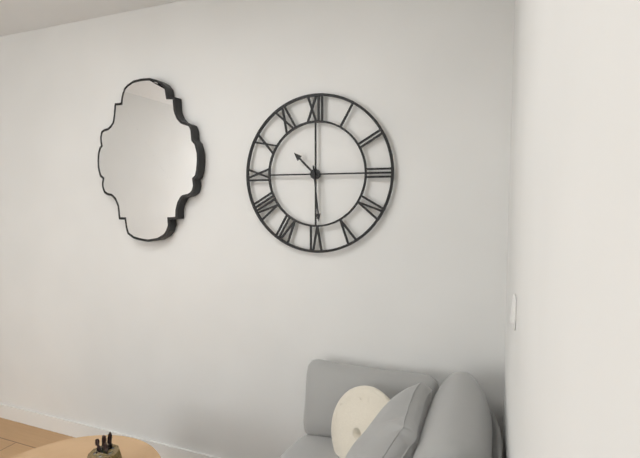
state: 10:29
